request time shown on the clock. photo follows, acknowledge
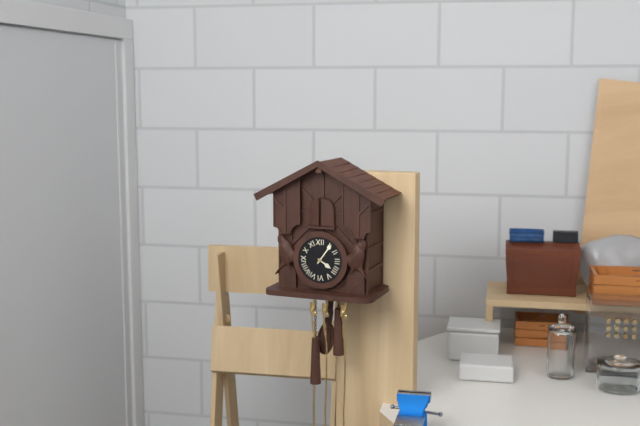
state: 4:06
